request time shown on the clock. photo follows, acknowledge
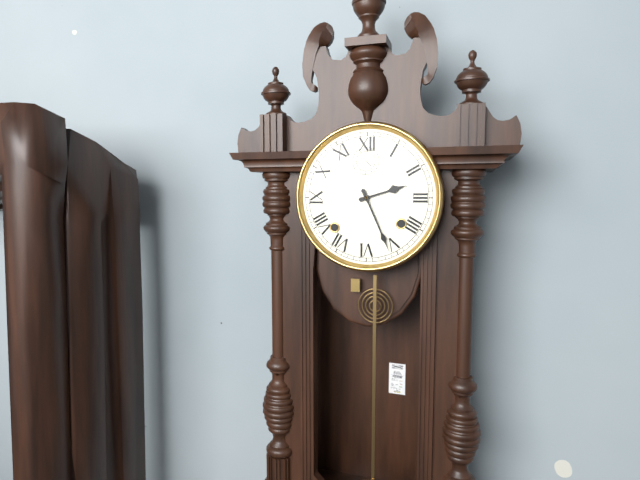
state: 2:26
